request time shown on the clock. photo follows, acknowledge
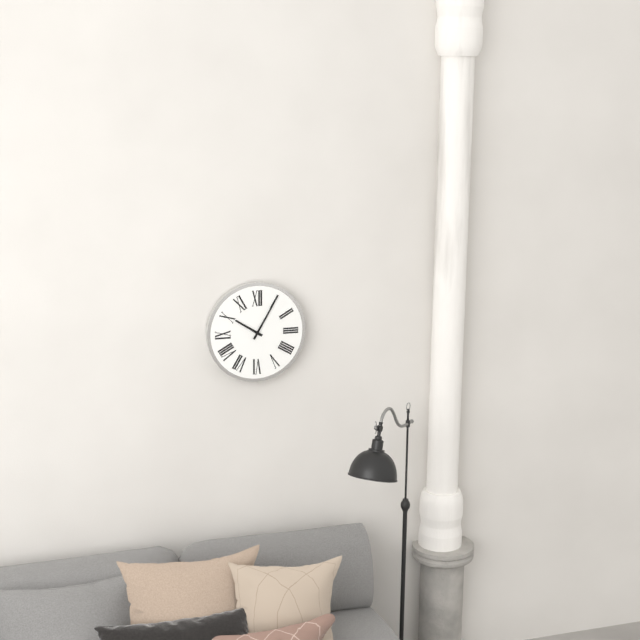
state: 10:05
